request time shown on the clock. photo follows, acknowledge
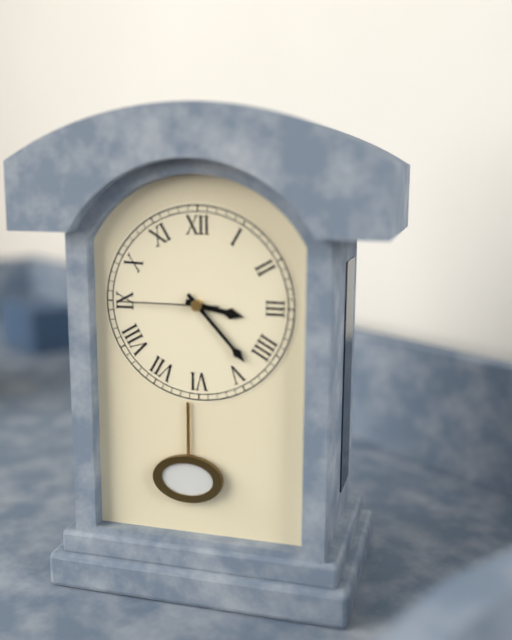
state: 3:23:45
